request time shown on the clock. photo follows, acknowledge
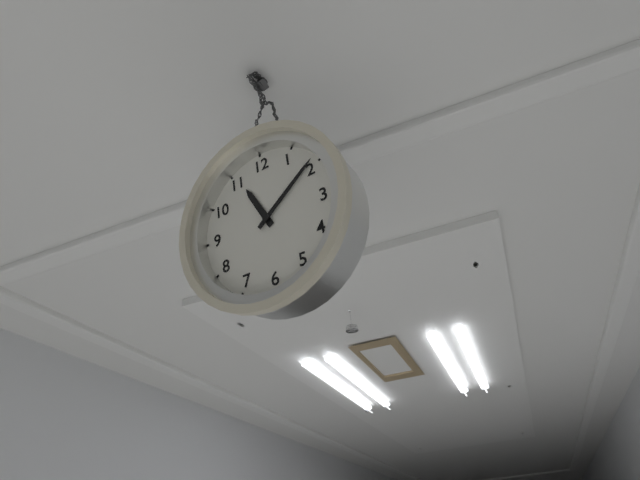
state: 11:09
